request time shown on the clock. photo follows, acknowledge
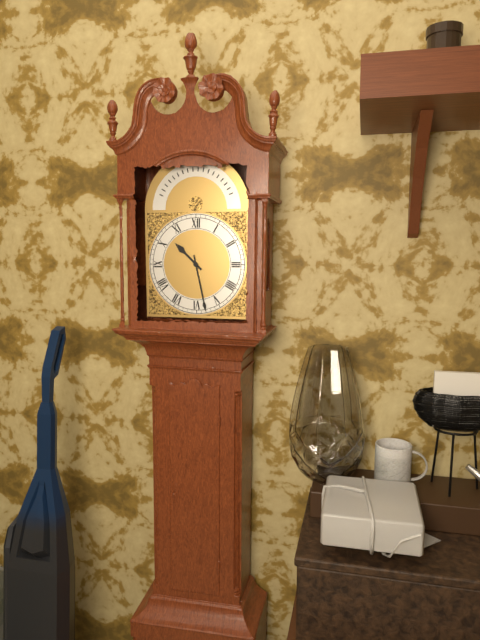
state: 10:28
